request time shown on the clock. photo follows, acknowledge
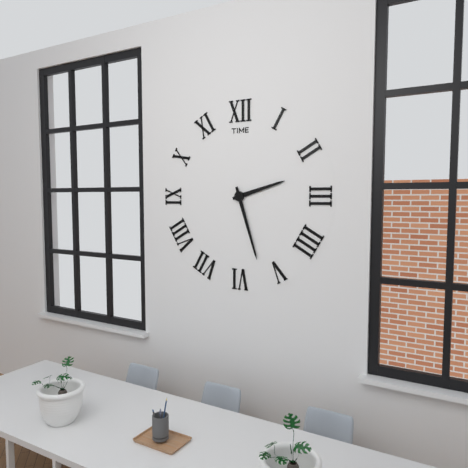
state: 2:27
